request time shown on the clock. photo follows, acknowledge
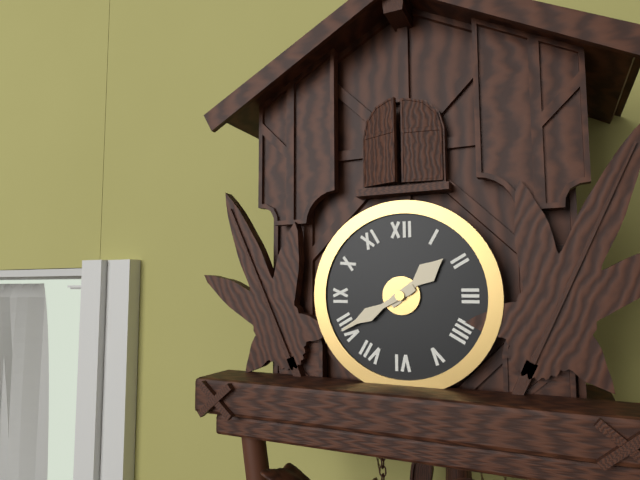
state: 1:40
